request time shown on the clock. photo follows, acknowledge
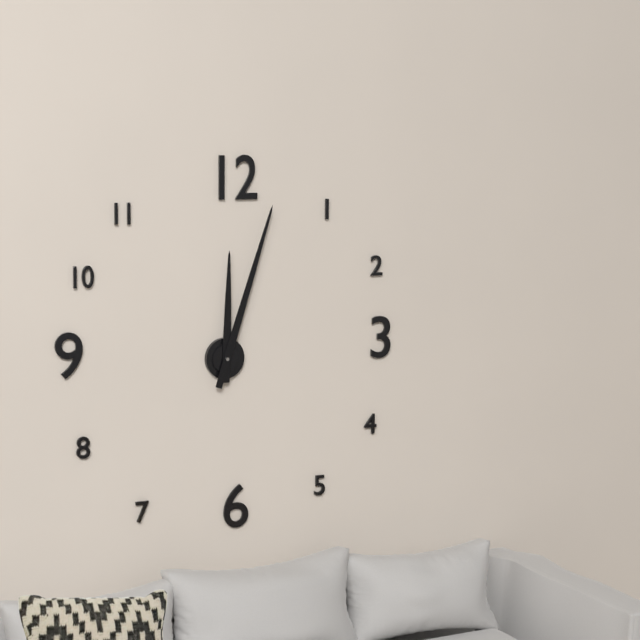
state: 12:03
